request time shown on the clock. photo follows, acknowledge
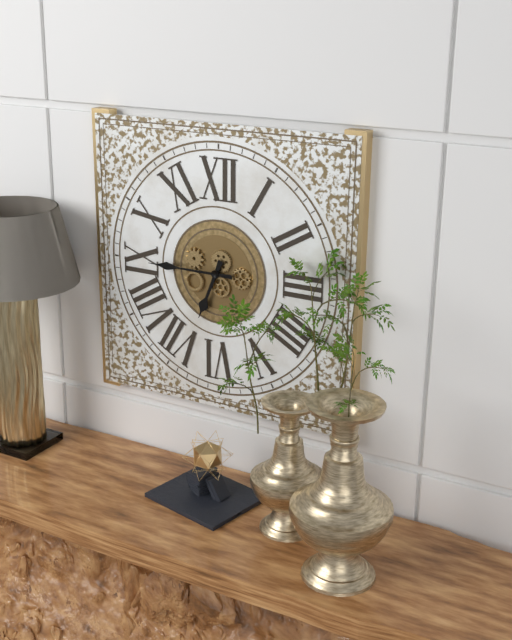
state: 6:45
